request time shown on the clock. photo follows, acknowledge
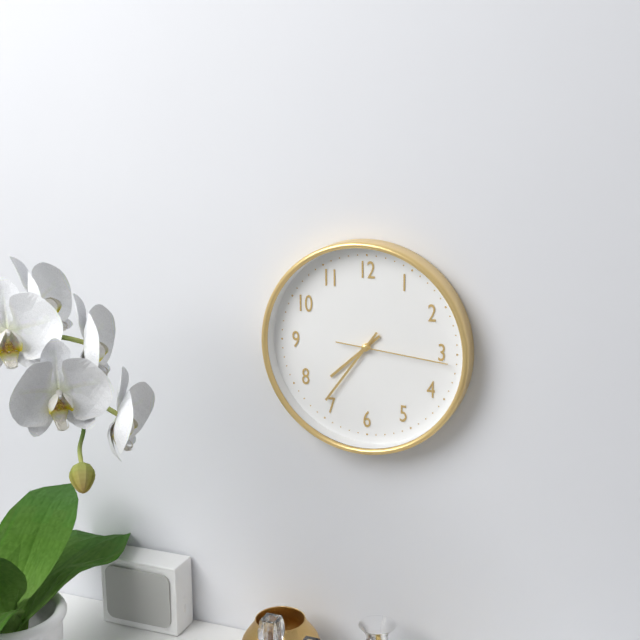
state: 7:36:16
